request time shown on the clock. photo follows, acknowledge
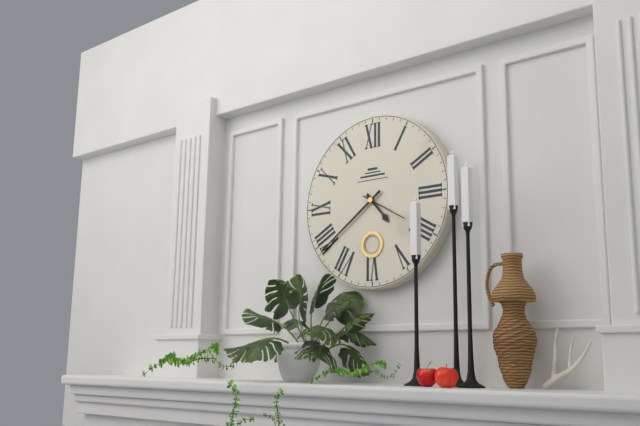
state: 4:39
